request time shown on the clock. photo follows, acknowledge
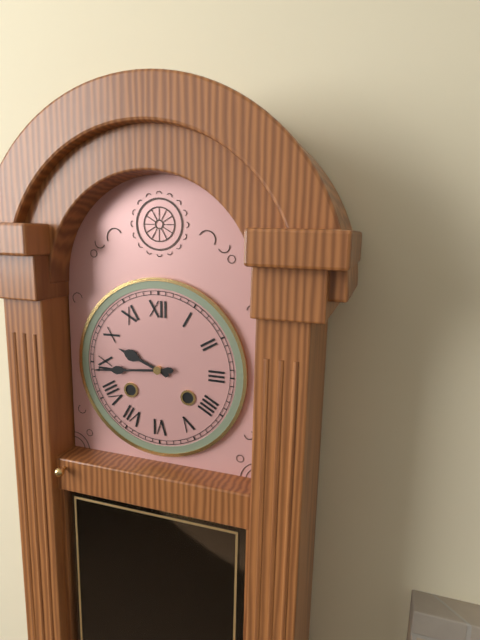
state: 9:44
